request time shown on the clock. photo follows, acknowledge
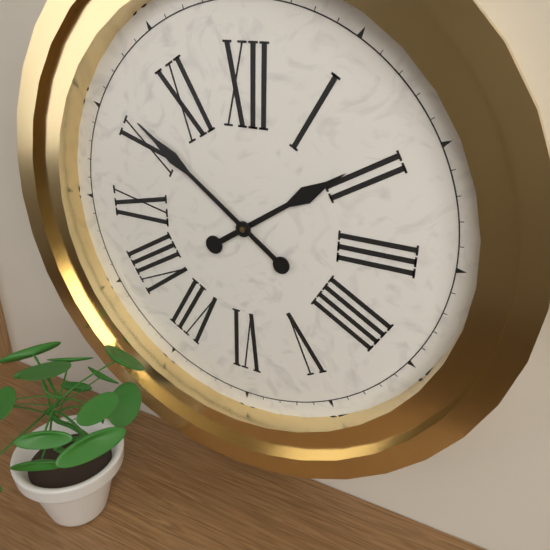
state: 1:51
